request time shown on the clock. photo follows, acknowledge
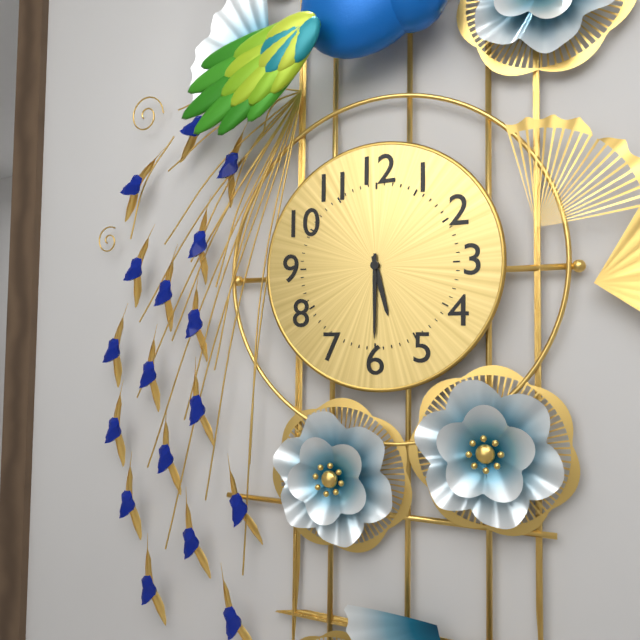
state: 5:30
